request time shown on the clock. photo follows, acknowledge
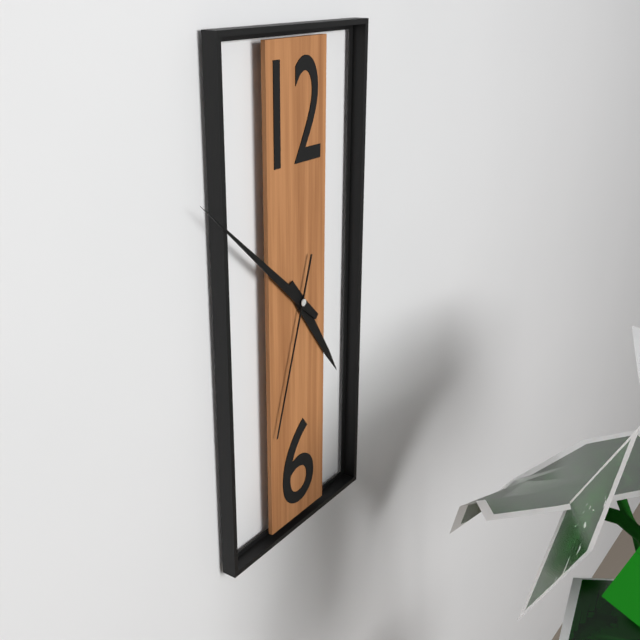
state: 4:52:33
